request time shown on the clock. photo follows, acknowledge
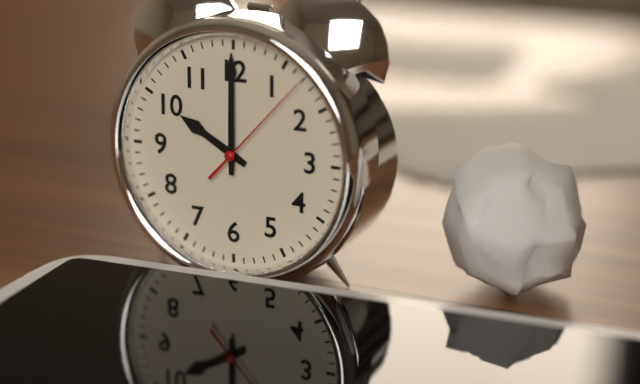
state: 10:00:07
